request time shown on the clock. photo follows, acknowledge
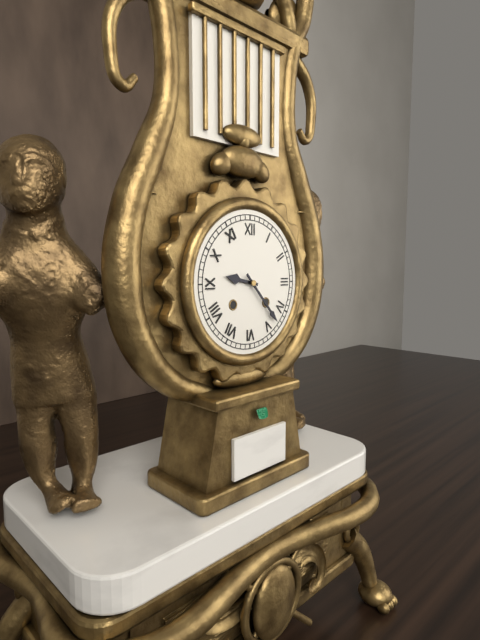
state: 9:23
